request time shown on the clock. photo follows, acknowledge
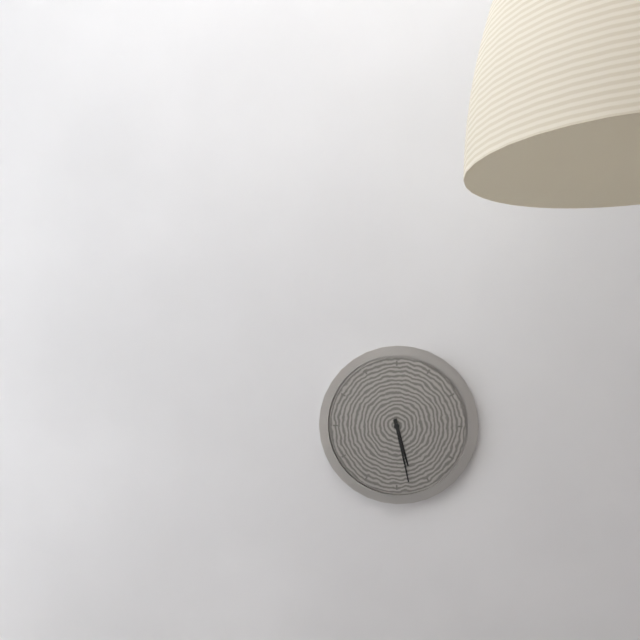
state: 5:28
